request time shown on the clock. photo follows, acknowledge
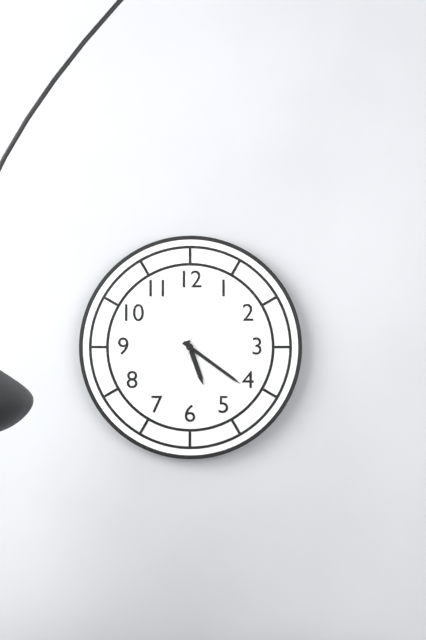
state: 5:21:02
